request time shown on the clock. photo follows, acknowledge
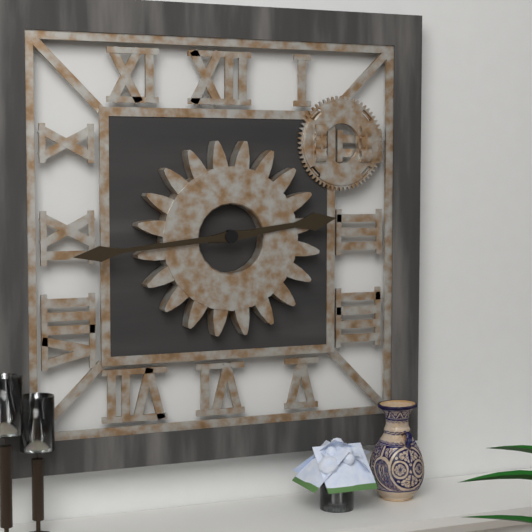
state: 2:44
